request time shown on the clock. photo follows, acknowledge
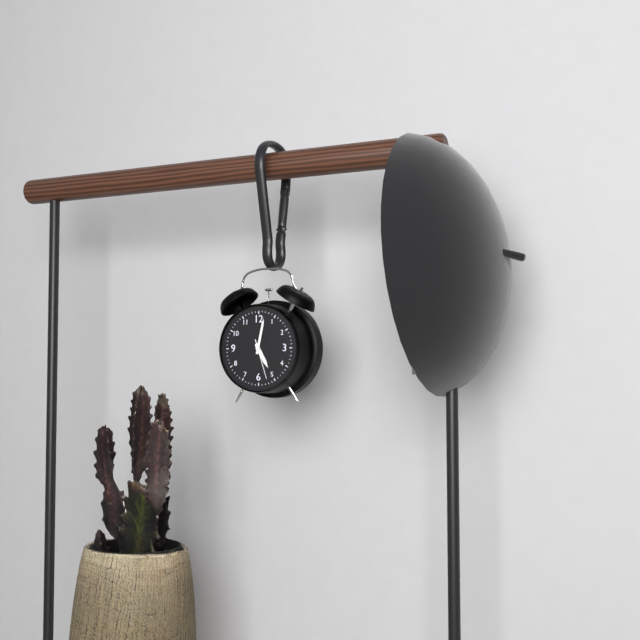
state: 5:02
